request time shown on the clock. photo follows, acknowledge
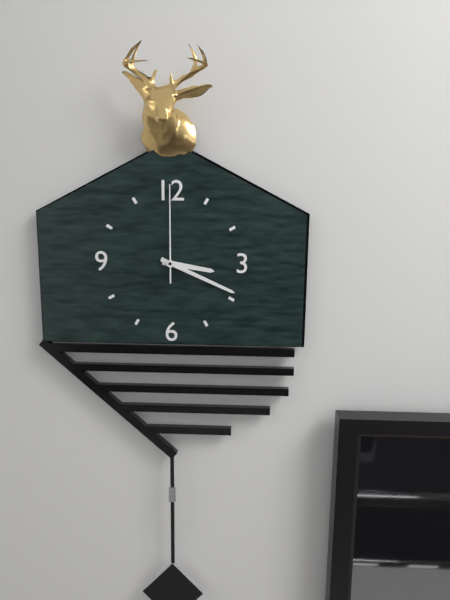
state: 3:19:00
